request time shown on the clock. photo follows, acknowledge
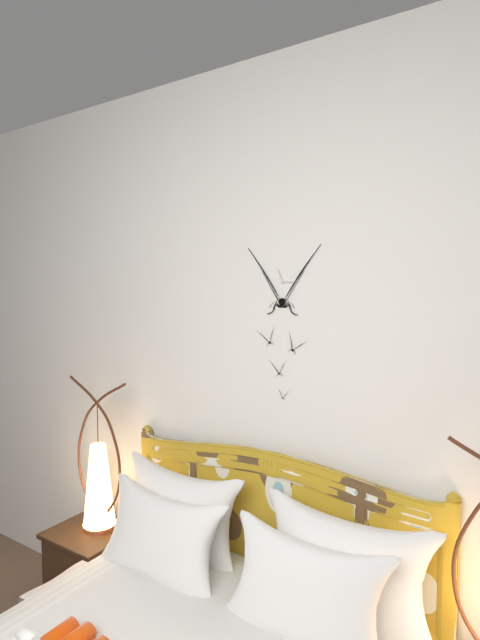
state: 11:15
